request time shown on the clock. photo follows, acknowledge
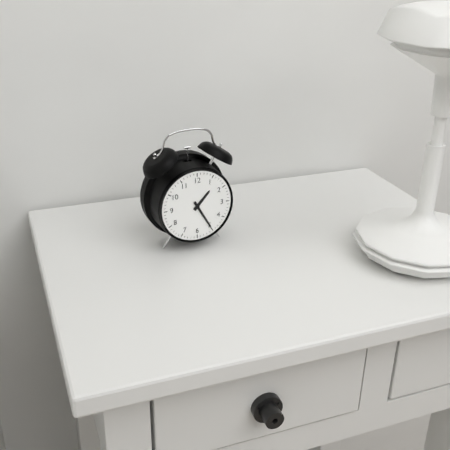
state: 1:25
